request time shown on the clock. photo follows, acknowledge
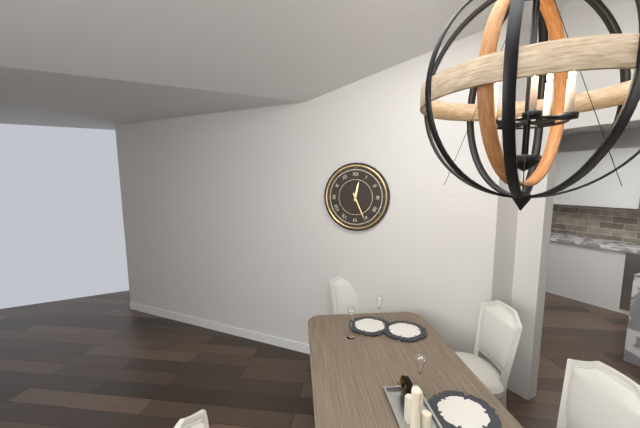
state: 12:26
